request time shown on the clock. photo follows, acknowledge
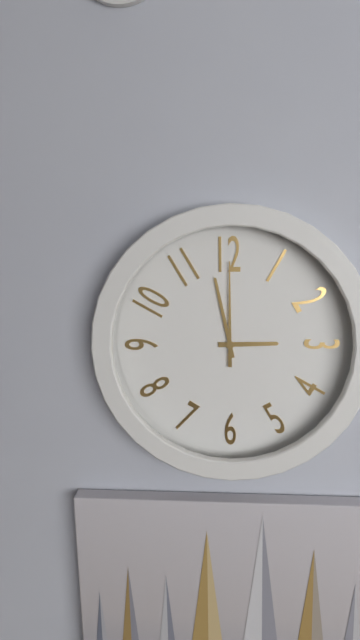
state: 2:58:00
